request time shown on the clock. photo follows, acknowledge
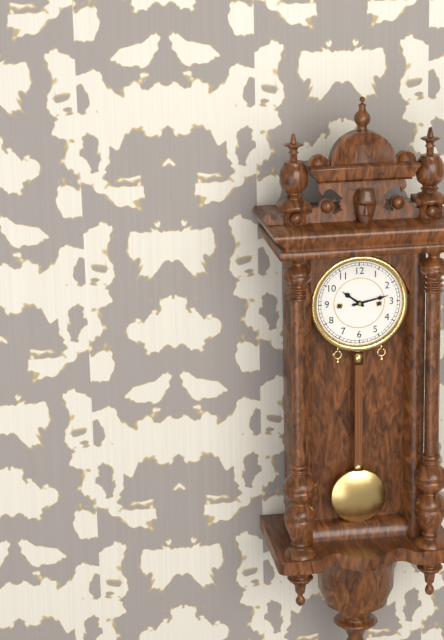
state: 10:13
